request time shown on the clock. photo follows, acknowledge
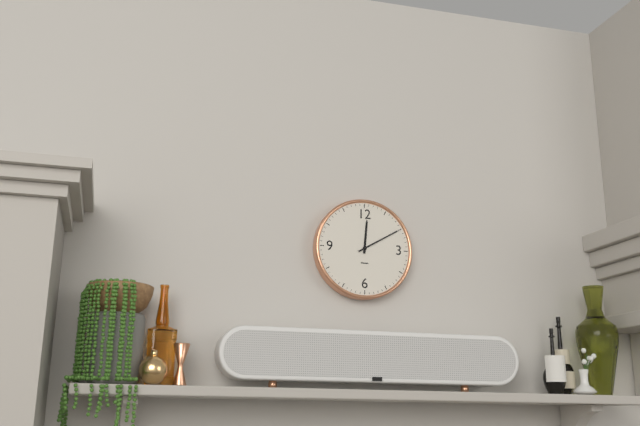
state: 12:10
